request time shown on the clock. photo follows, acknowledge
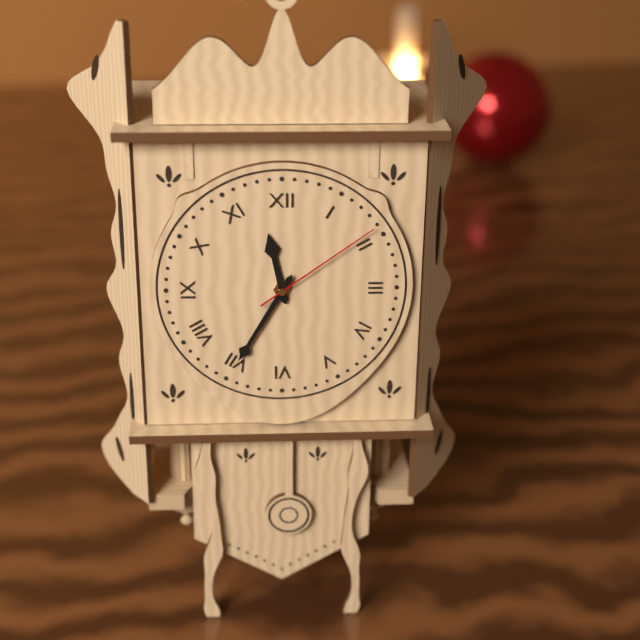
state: 11:35:09
